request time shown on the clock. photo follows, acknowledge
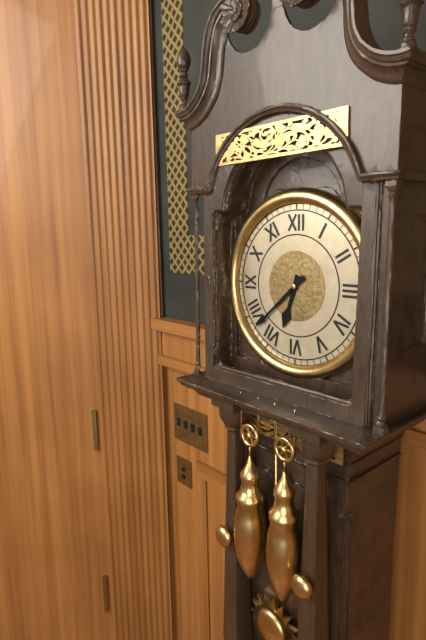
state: 6:38
